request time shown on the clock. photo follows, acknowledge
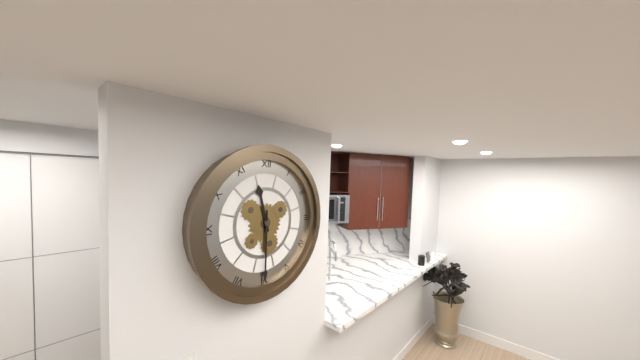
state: 11:30
